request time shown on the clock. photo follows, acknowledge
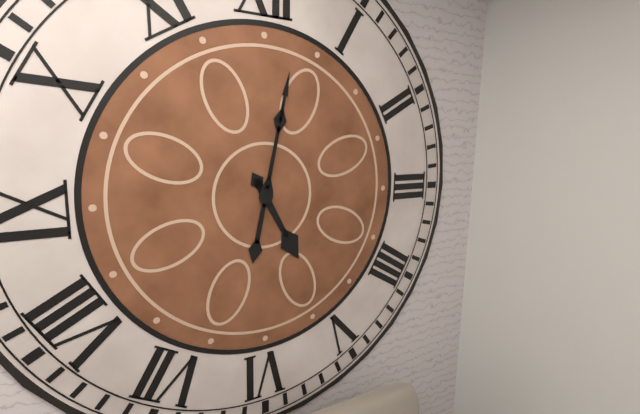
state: 5:02
